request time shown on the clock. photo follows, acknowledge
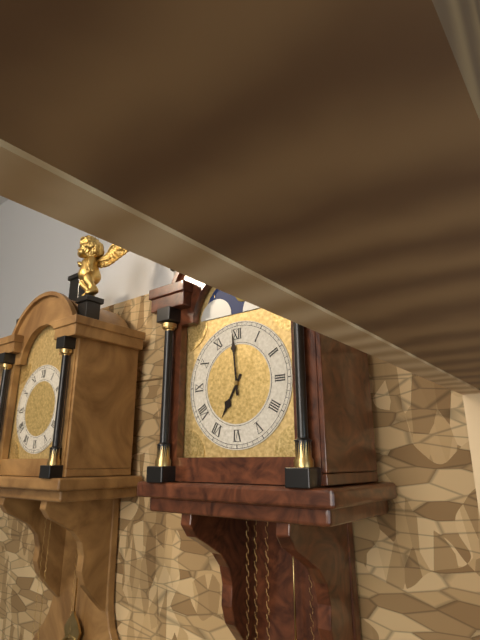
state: 6:59
